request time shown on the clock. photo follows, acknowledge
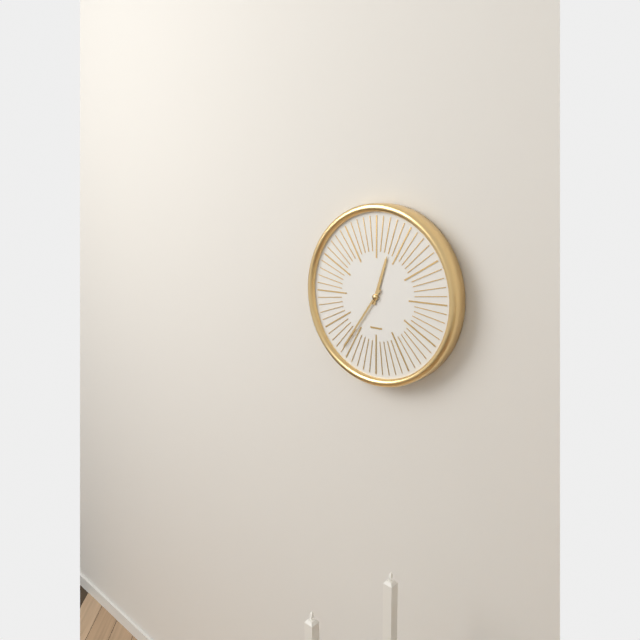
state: 12:36
